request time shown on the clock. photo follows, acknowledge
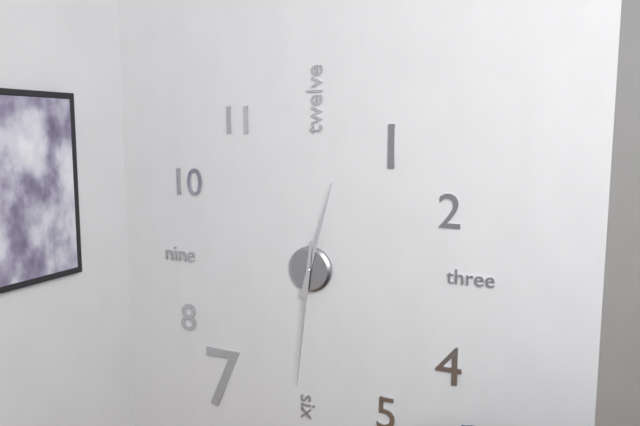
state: 12:31
